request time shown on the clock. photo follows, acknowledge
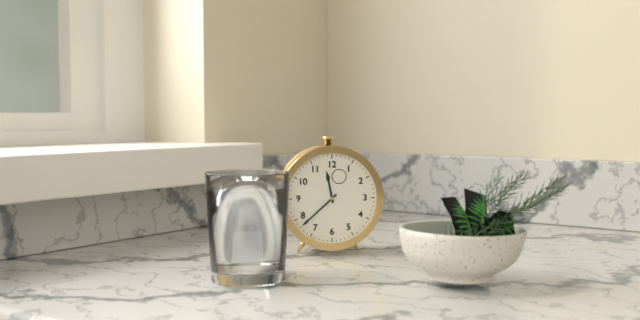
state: 11:38
